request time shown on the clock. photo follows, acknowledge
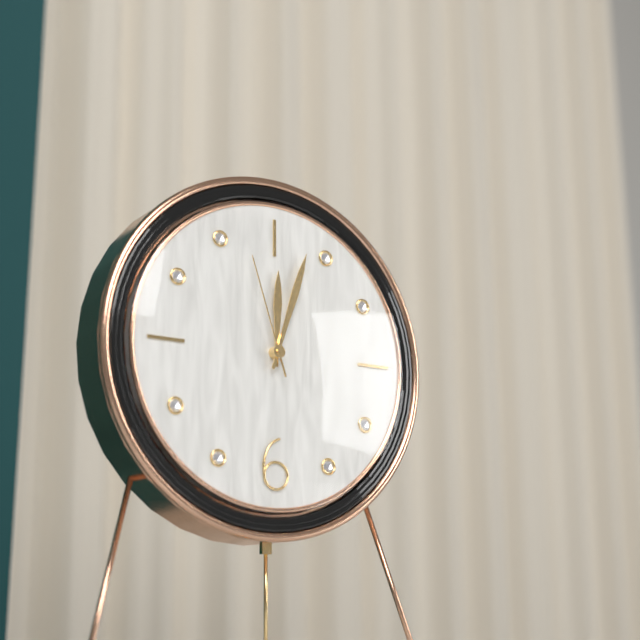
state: 12:03:57
